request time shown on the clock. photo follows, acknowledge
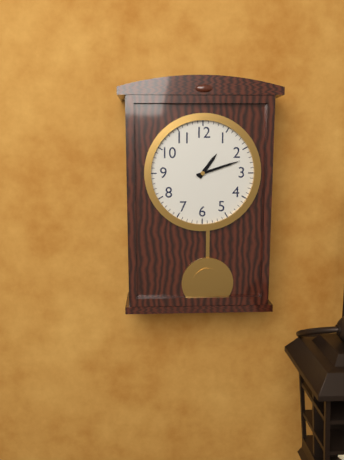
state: 1:12
